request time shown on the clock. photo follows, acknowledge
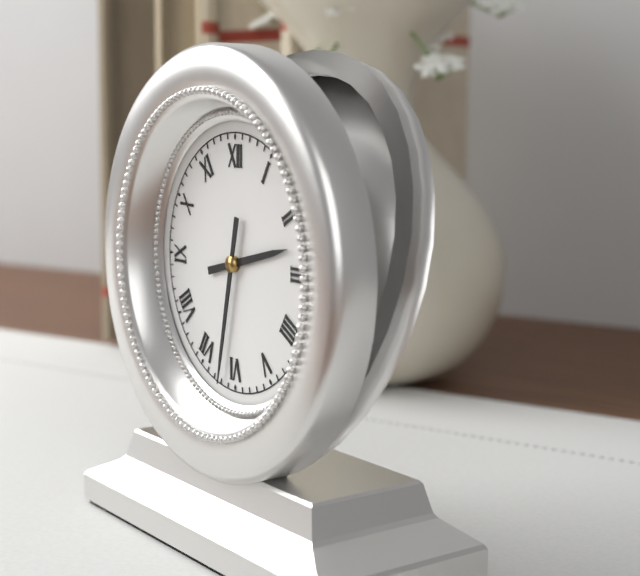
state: 2:32
